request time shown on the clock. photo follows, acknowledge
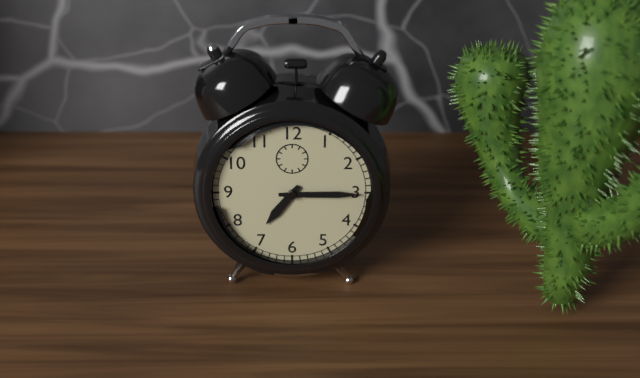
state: 7:15
